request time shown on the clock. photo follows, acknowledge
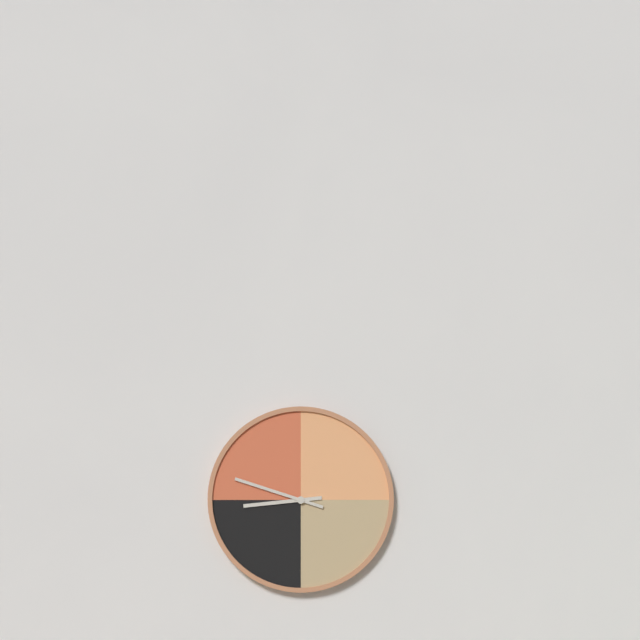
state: 8:48
